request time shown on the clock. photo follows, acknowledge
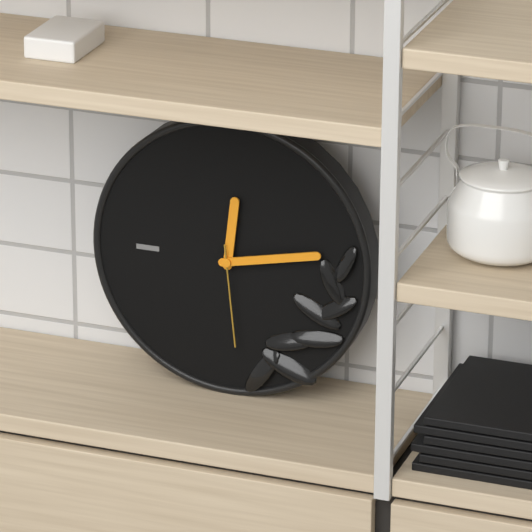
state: 12:13:29
